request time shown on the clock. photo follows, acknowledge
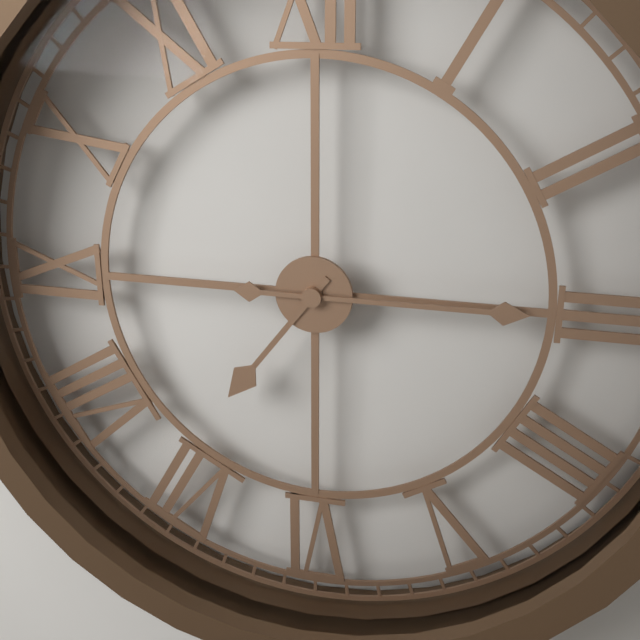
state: 7:15
